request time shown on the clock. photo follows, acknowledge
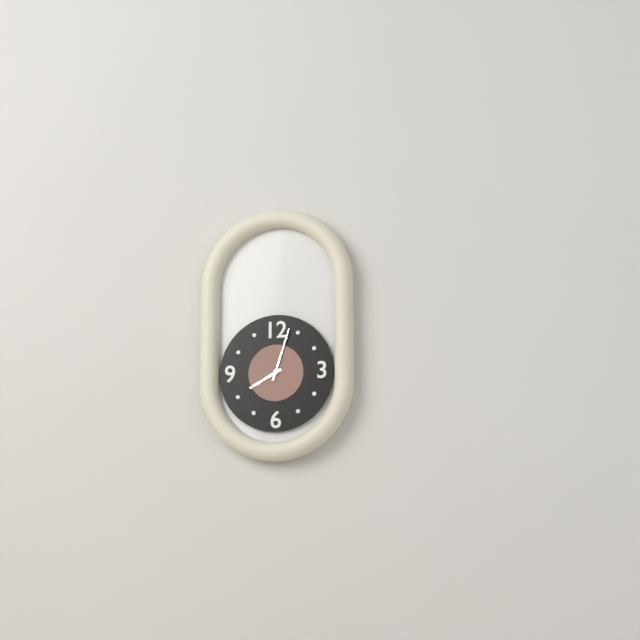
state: 8:03
